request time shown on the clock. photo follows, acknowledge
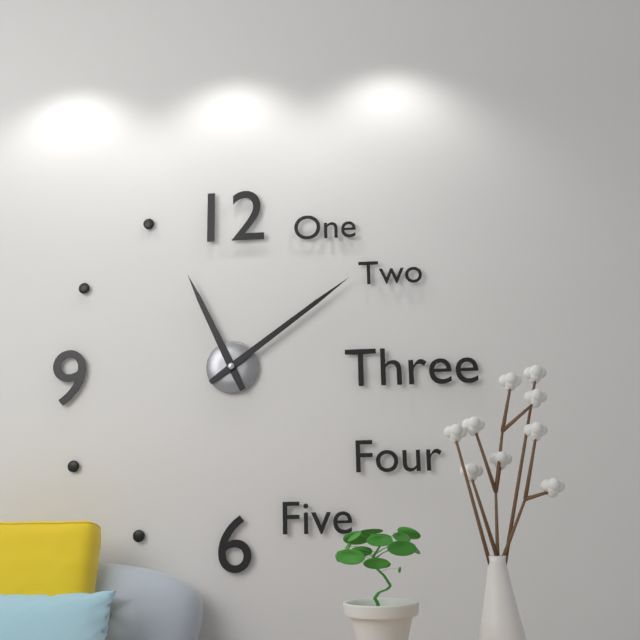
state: 11:09
